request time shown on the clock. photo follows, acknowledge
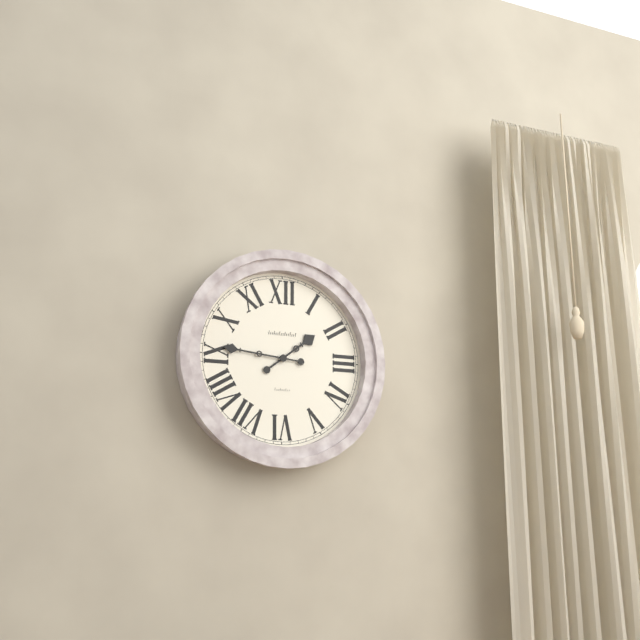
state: 1:46
